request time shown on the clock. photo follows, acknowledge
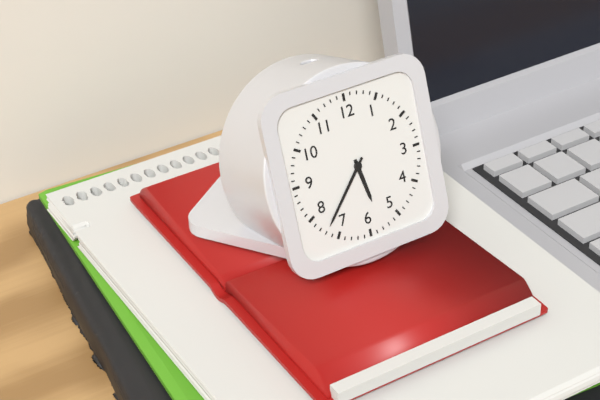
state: 5:37
